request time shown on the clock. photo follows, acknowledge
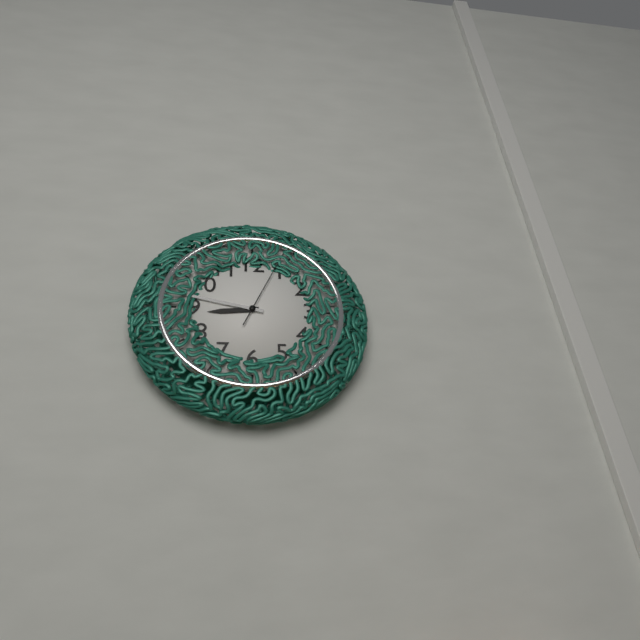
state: 8:47:04
